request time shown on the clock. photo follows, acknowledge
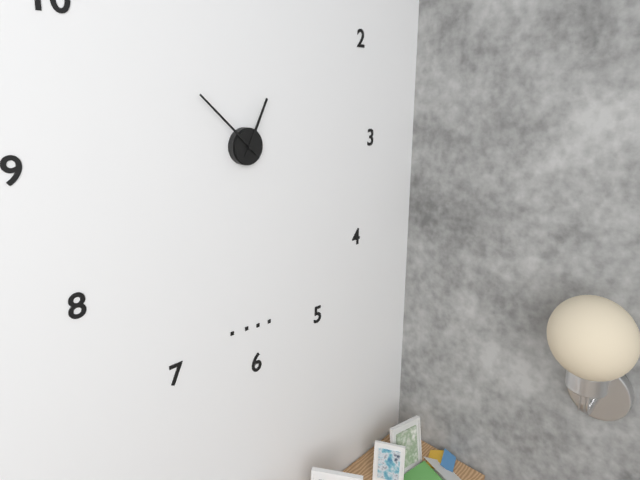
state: 12:52
